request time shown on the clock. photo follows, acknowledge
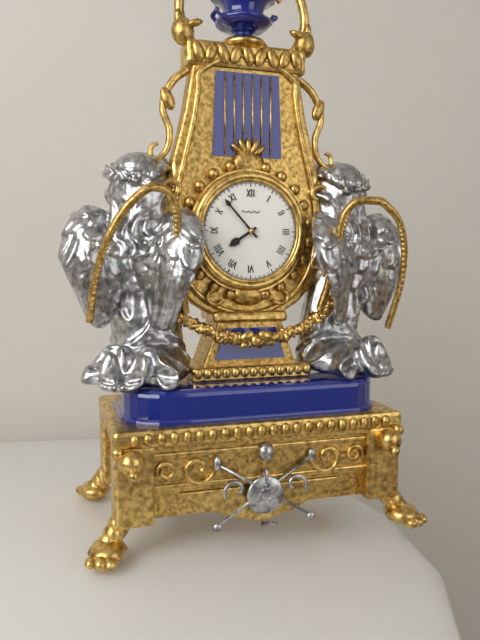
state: 7:53
